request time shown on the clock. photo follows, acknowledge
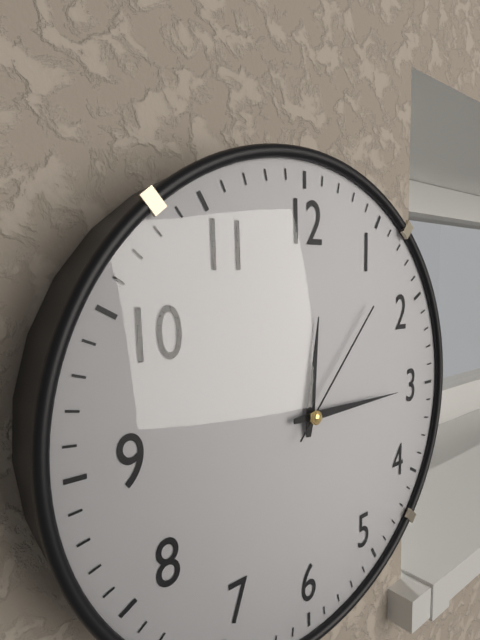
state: 12:15:07
